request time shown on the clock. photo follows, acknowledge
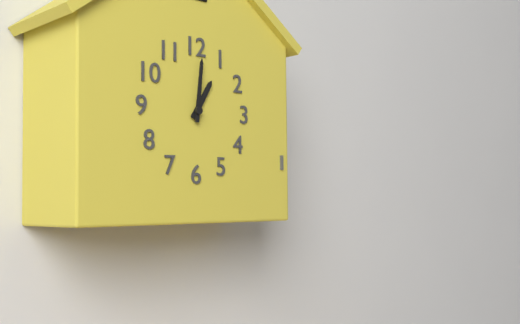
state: 1:01
